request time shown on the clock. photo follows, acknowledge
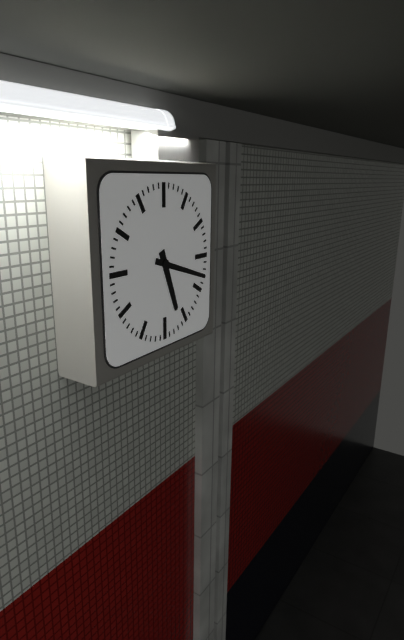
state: 5:18
